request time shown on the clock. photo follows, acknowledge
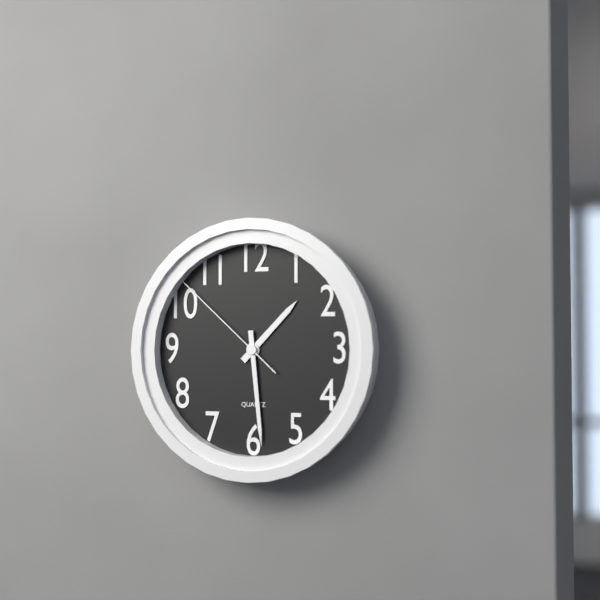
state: 1:29:52
